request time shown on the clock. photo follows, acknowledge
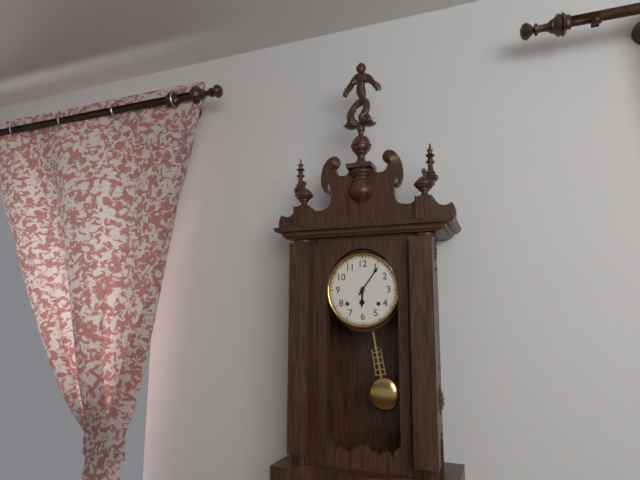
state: 6:06
